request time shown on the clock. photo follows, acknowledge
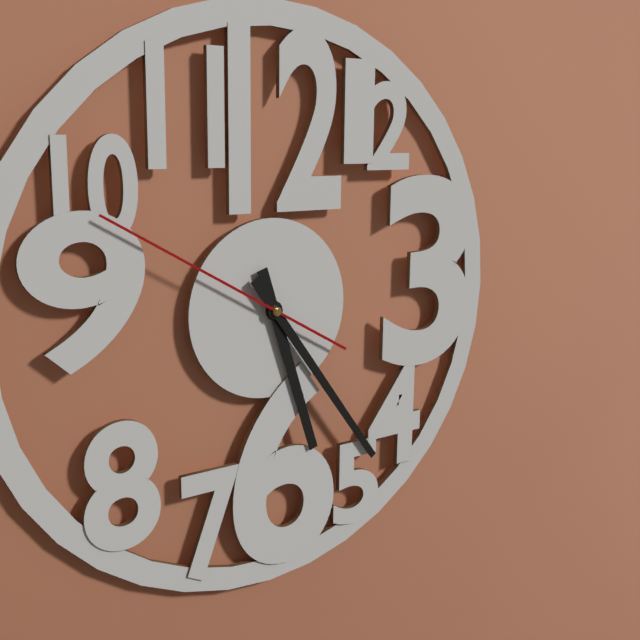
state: 5:24:50
